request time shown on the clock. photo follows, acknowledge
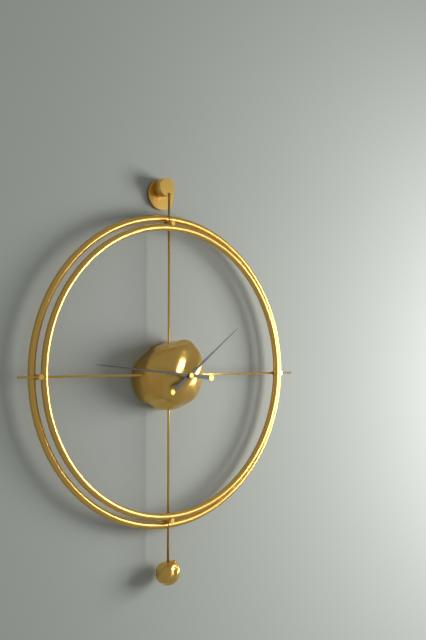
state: 1:46
